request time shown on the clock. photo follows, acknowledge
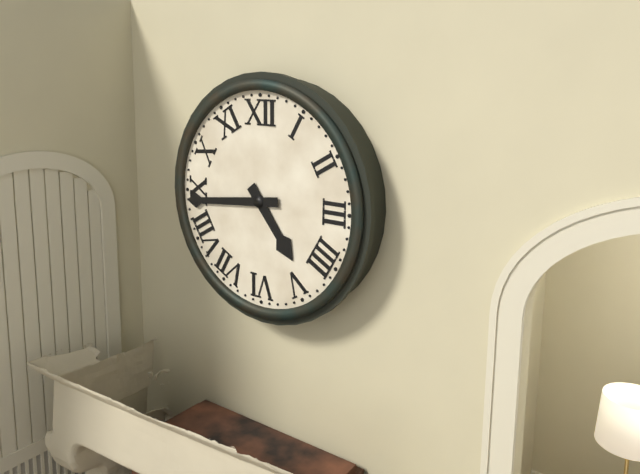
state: 4:44
